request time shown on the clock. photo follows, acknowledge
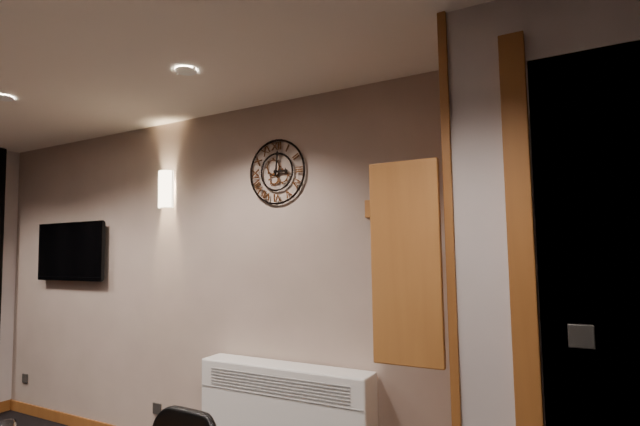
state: 3:01
